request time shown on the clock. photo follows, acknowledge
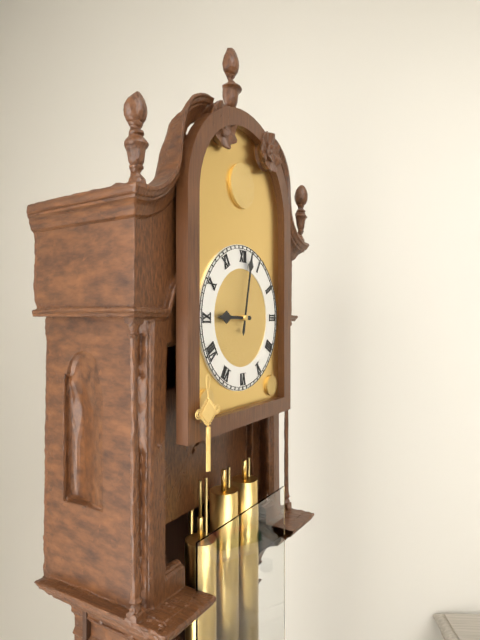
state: 9:02
